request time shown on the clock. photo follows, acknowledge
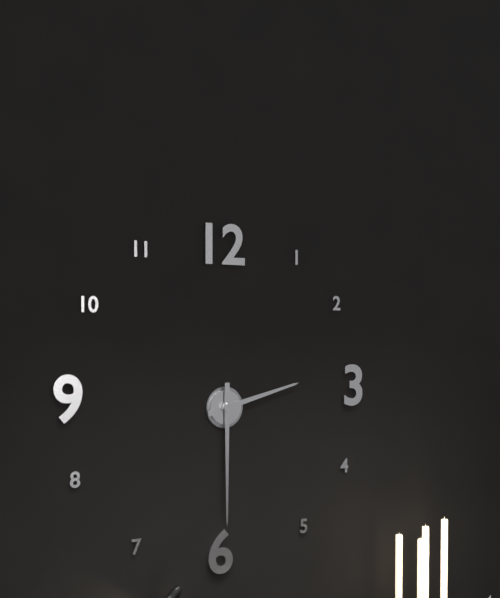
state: 2:30
